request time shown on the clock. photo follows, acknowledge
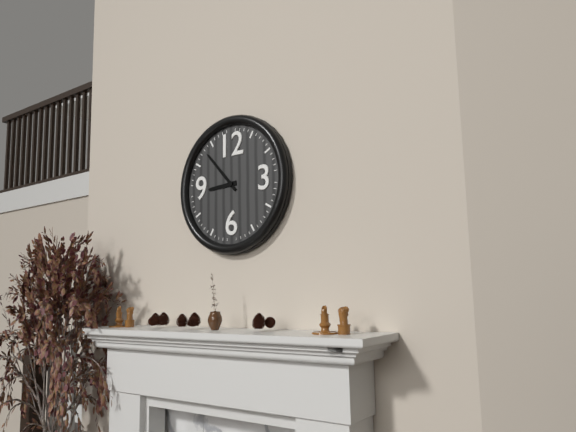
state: 8:53
